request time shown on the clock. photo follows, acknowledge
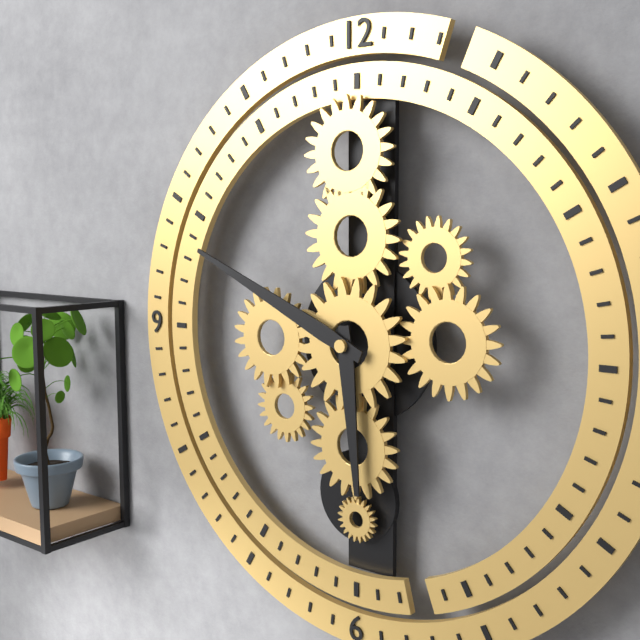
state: 5:49
